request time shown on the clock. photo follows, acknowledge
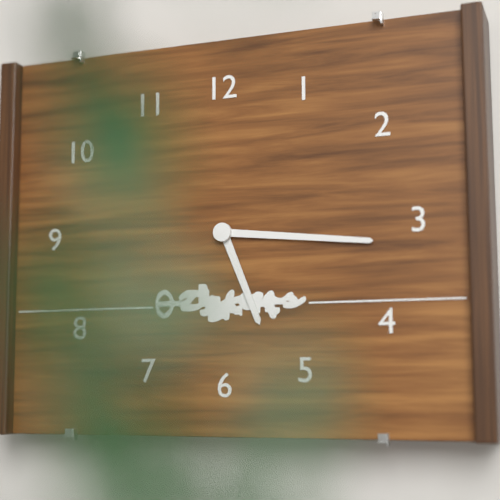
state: 5:16
